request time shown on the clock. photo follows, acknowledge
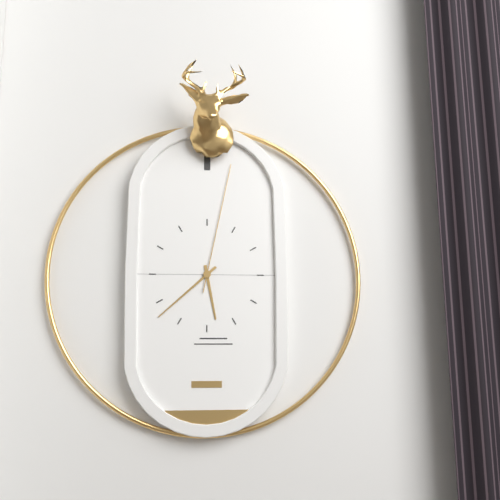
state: 5:38:02
